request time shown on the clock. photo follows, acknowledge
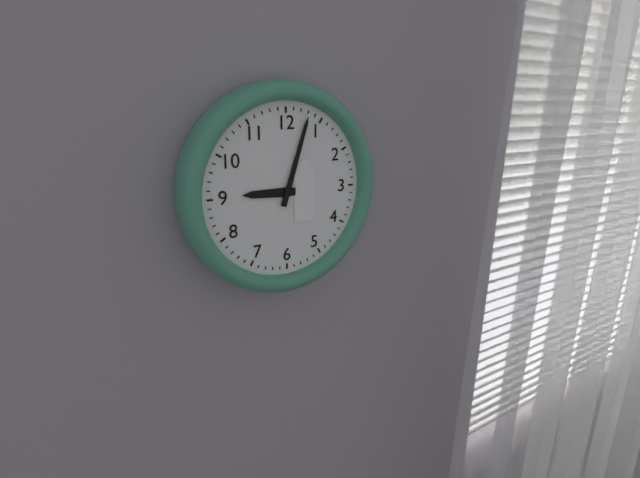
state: 9:03
